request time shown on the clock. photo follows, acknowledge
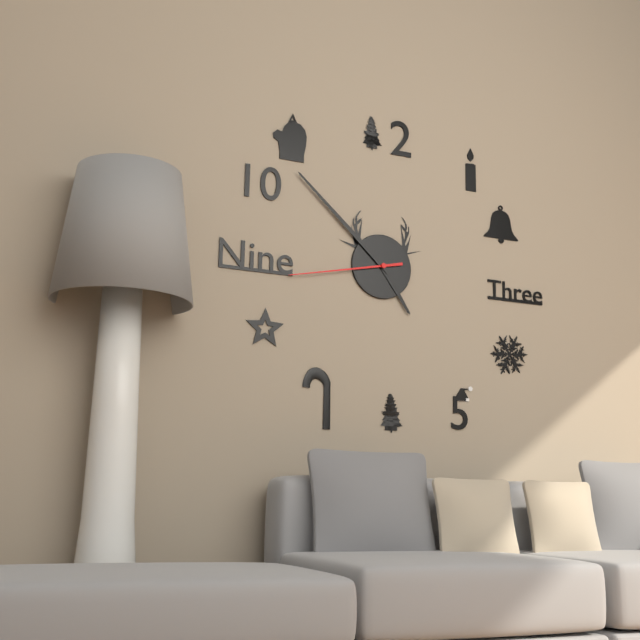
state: 4:52:43
